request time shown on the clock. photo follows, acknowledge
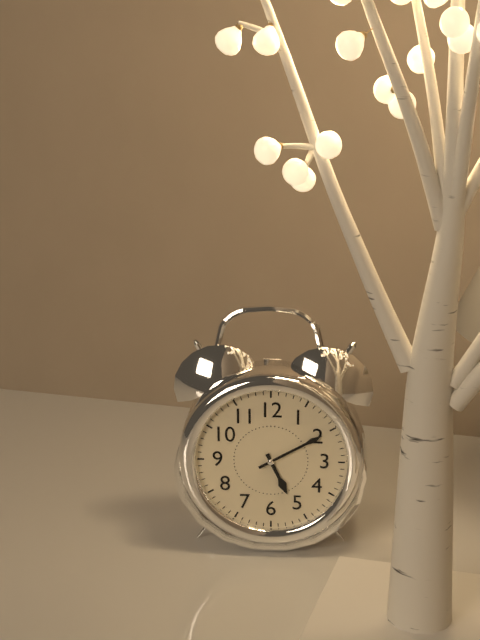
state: 5:10
